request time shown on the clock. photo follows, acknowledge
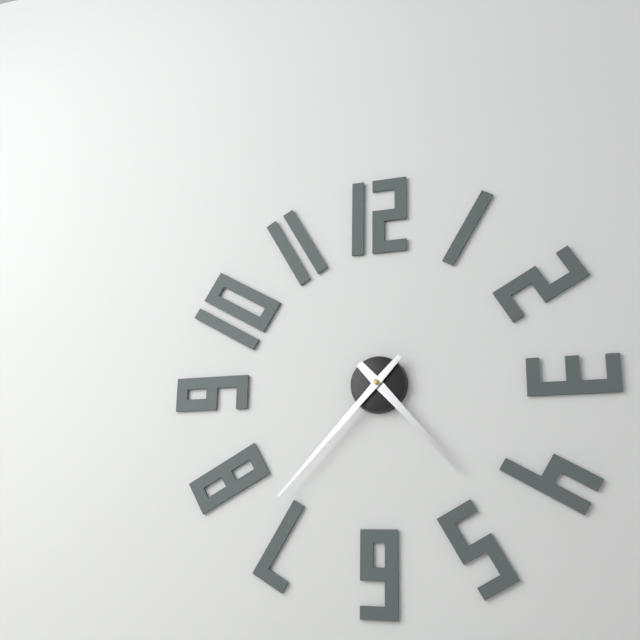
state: 4:37
